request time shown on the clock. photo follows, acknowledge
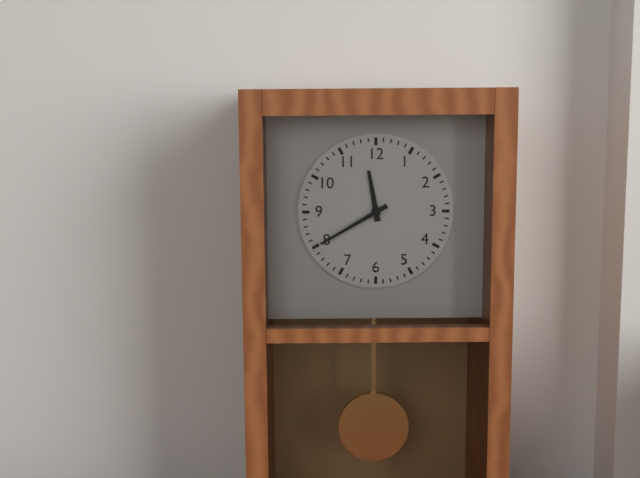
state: 11:40
